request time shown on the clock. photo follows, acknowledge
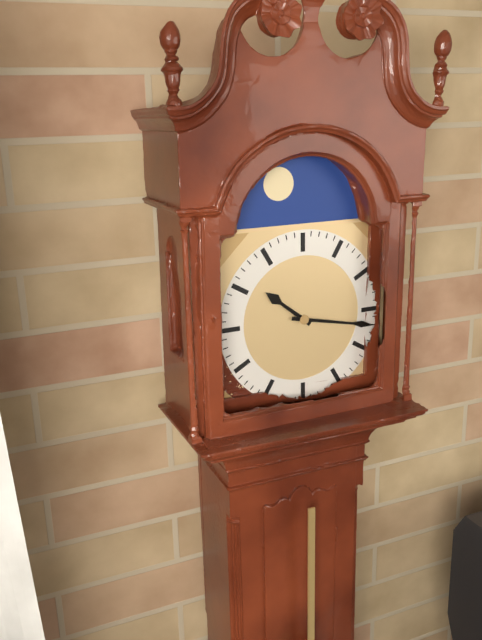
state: 10:17
